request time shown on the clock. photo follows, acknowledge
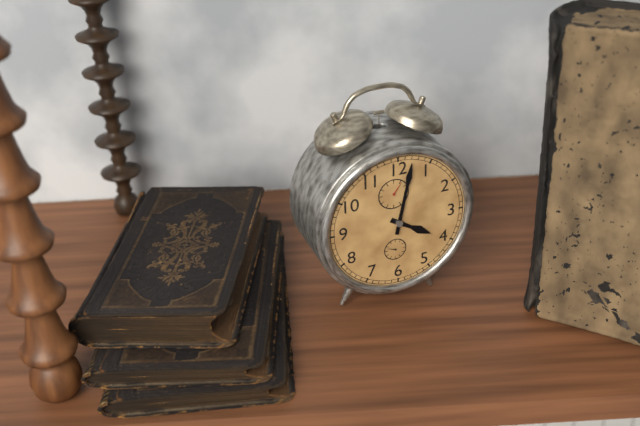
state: 4:02
